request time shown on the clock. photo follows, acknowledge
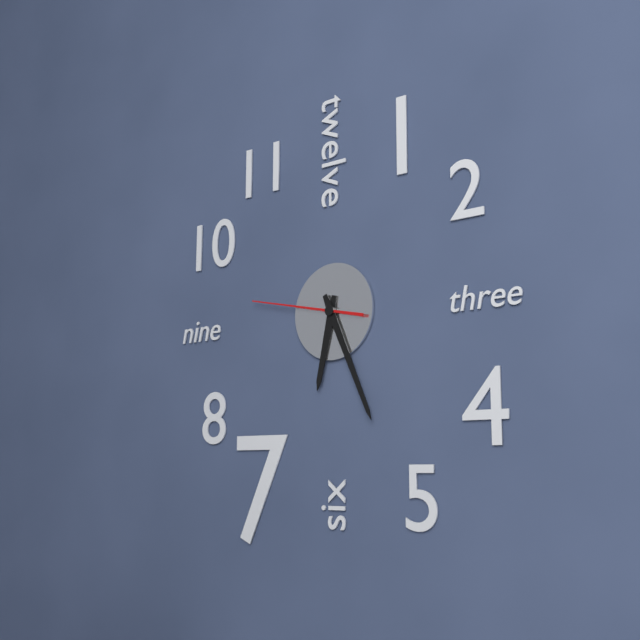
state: 6:26:47
